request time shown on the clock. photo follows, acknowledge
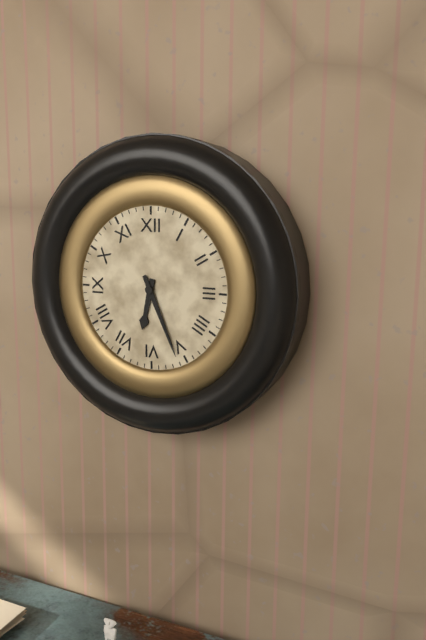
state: 6:26
